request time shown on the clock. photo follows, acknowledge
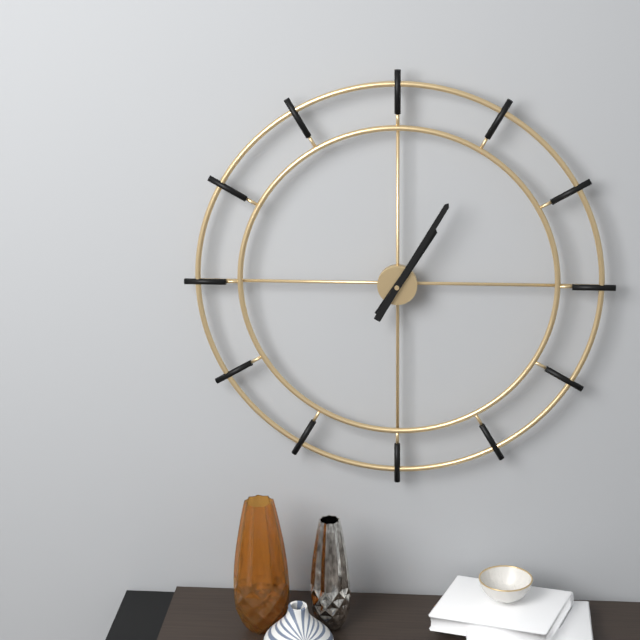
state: 1:05
